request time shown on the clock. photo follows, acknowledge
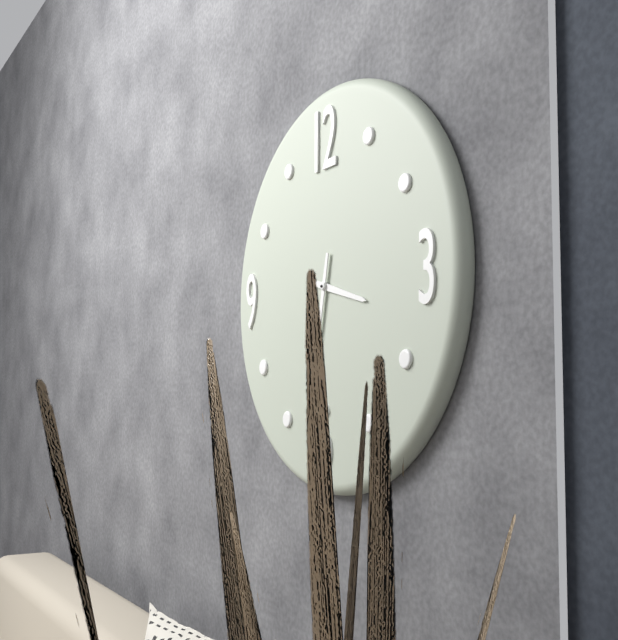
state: 3:32
